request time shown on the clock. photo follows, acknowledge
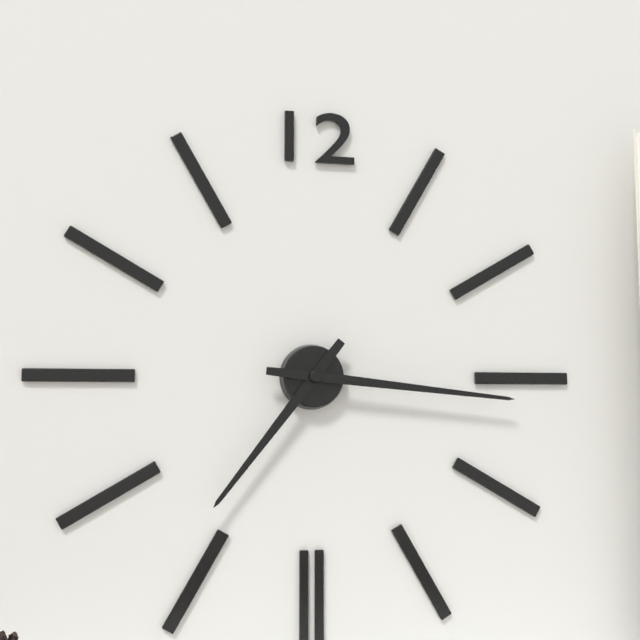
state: 7:16
